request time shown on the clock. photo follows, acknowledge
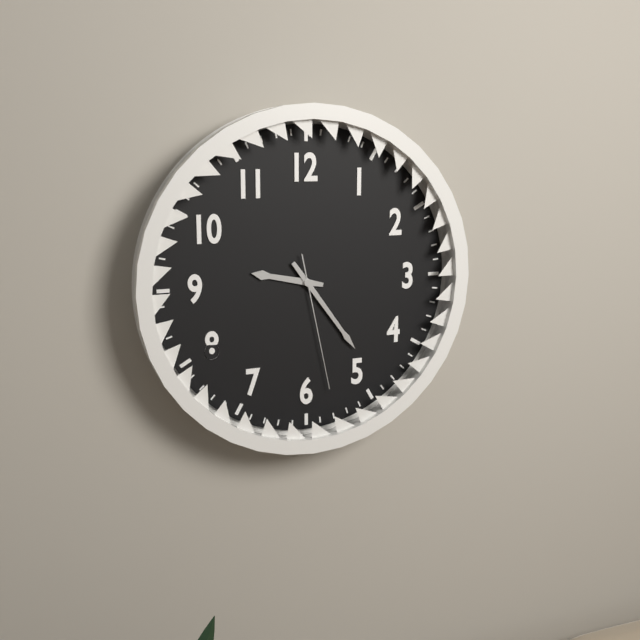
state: 9:24:28
